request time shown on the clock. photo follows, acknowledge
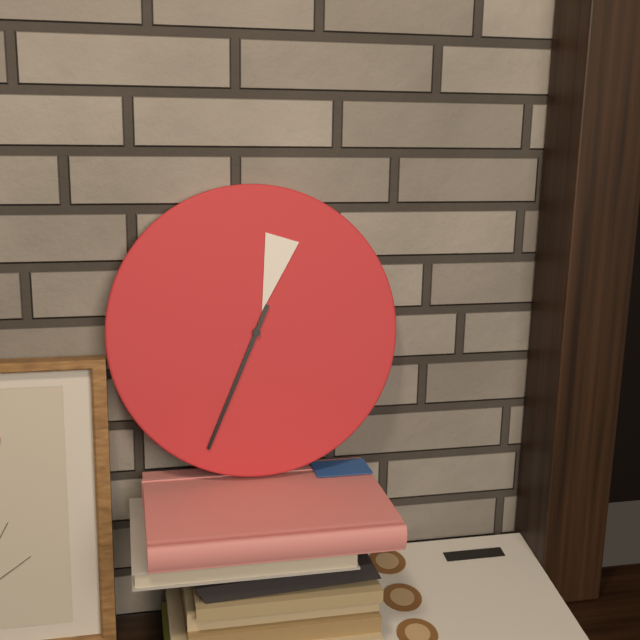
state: 12:34
